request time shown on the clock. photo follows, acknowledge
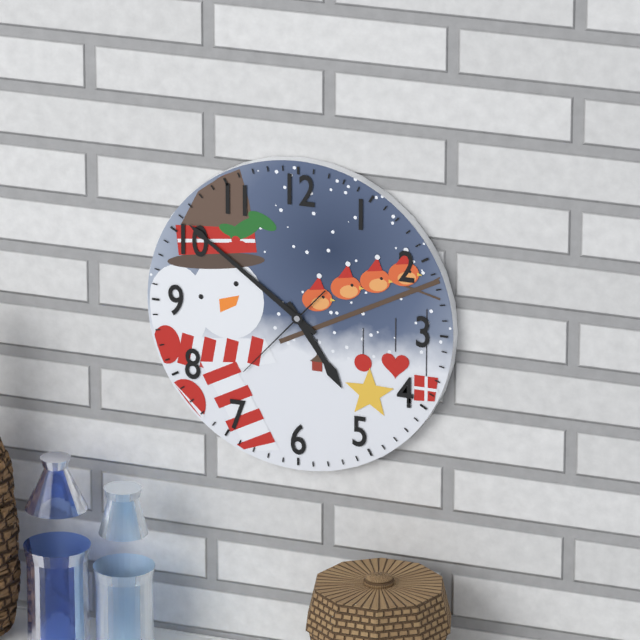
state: 4:51:37
